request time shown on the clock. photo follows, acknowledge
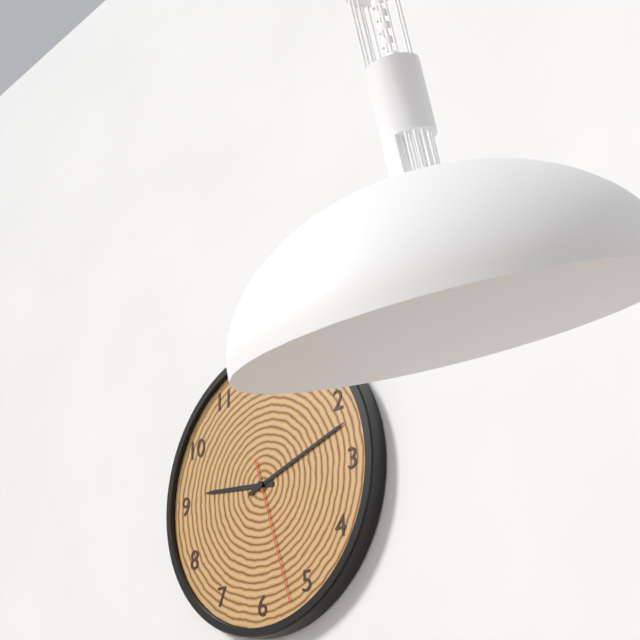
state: 9:12:27
